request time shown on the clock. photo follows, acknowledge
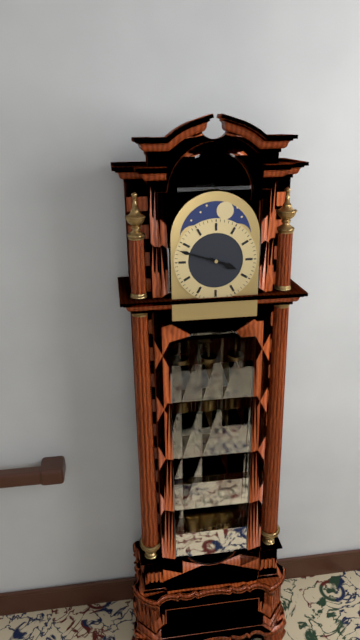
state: 3:48
